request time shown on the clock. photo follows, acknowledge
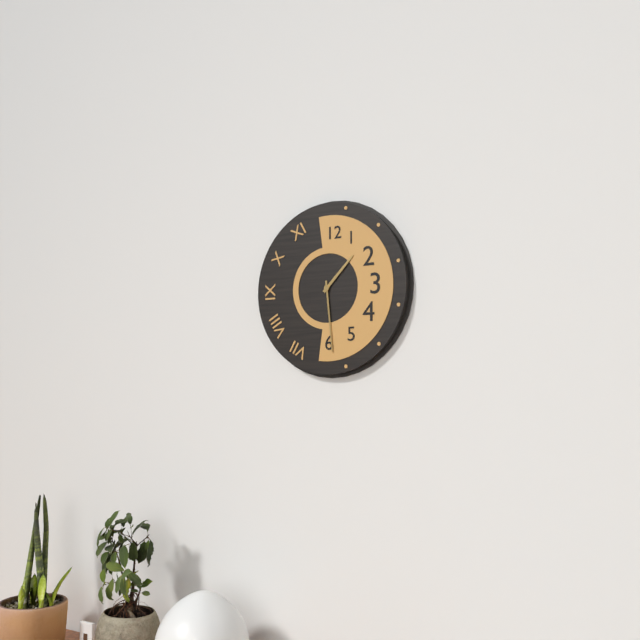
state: 1:29
